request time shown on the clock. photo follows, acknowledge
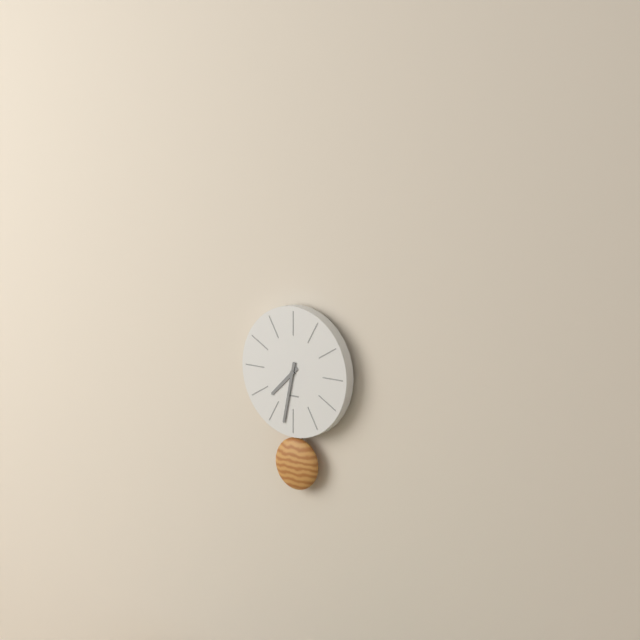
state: 7:32
